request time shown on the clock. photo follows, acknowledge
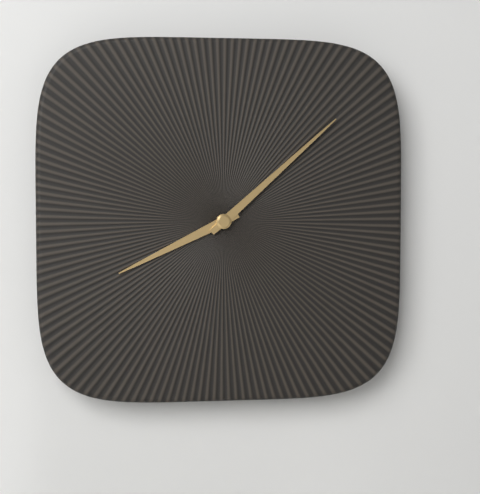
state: 8:08
